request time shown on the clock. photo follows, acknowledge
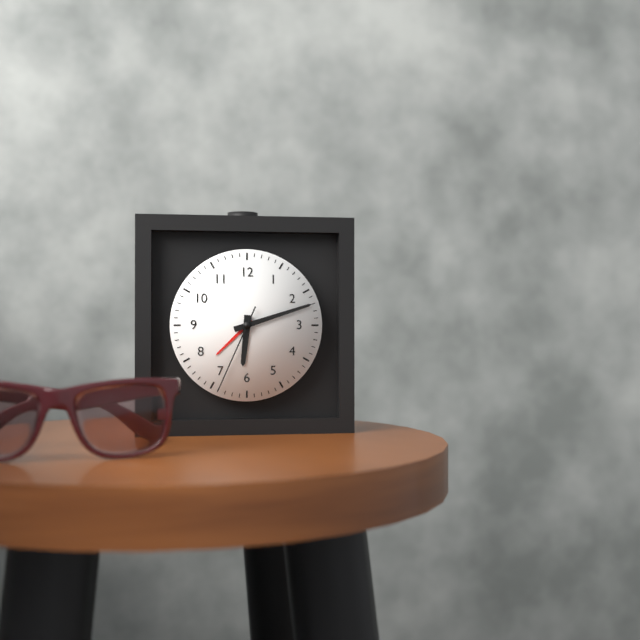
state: 6:12:34
